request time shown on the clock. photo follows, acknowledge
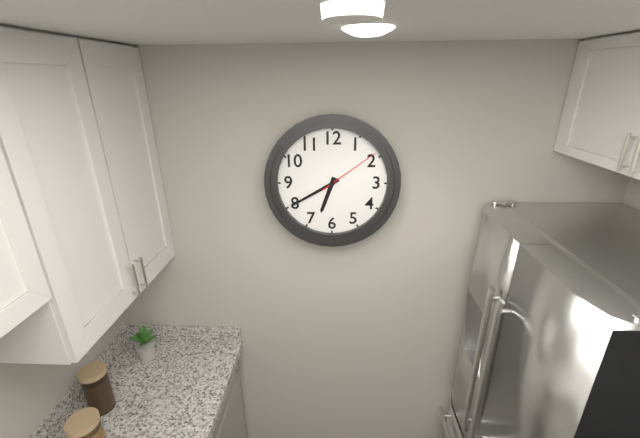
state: 6:40:09
